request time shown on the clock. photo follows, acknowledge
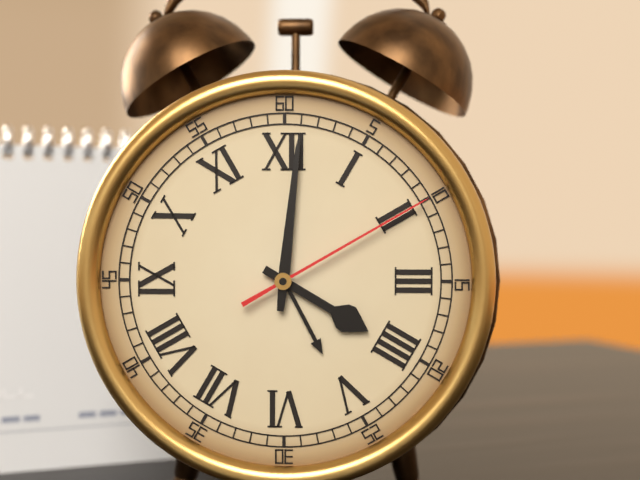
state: 4:01:10
